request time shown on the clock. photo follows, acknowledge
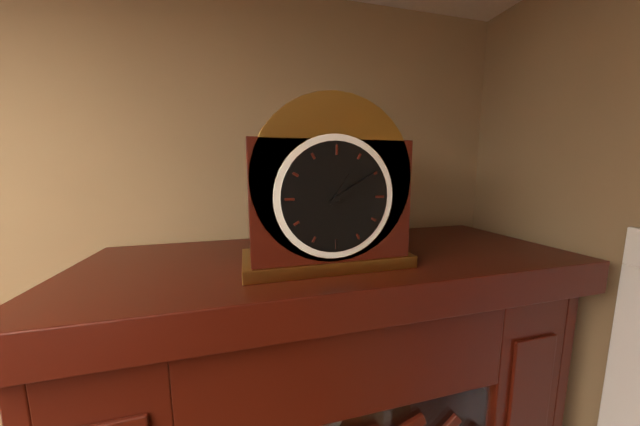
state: 1:10
